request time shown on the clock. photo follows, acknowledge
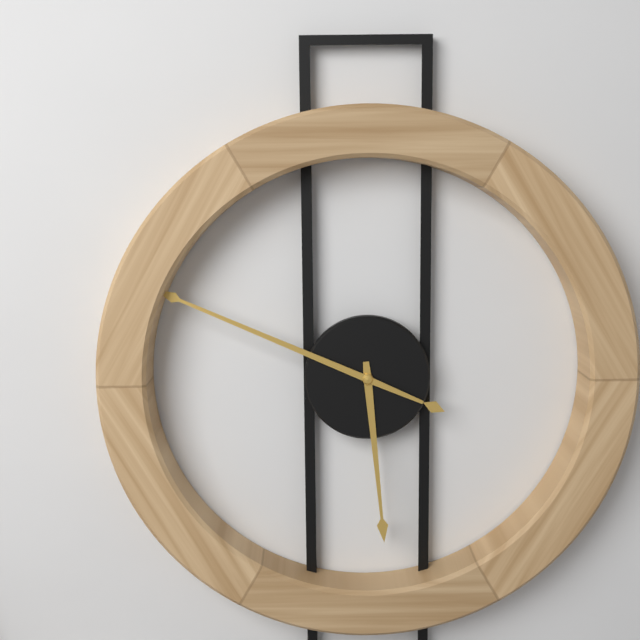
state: 5:49
